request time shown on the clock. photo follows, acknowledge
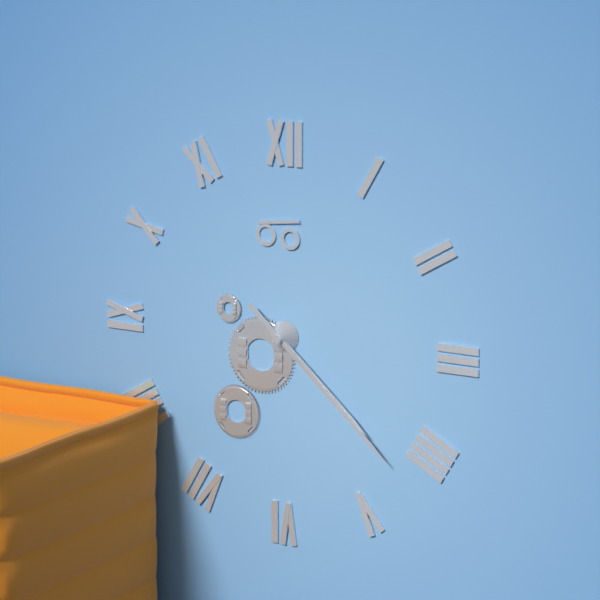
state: 4:22
